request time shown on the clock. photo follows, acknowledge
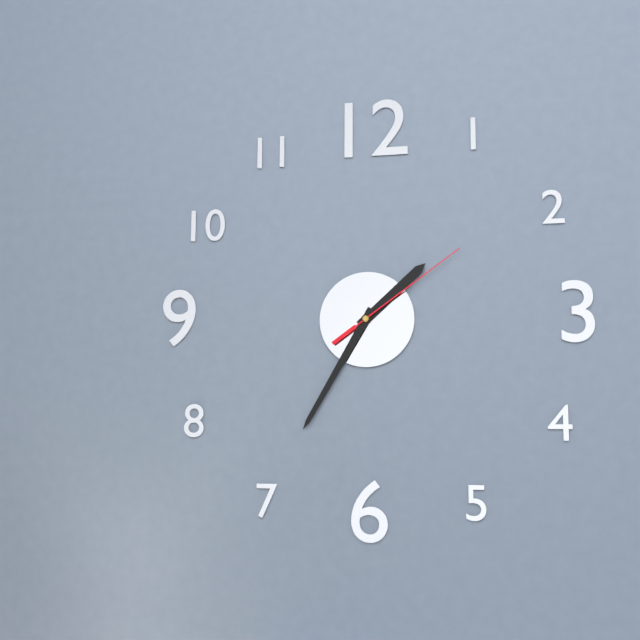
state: 1:35:09
